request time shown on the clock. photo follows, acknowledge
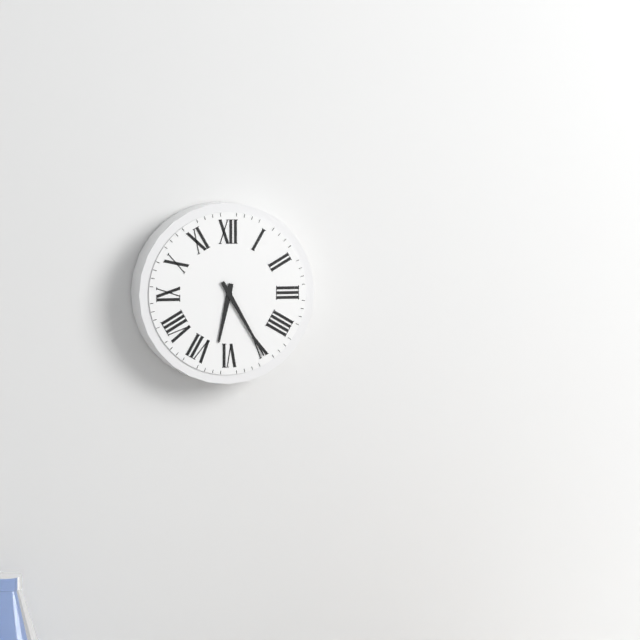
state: 6:25
